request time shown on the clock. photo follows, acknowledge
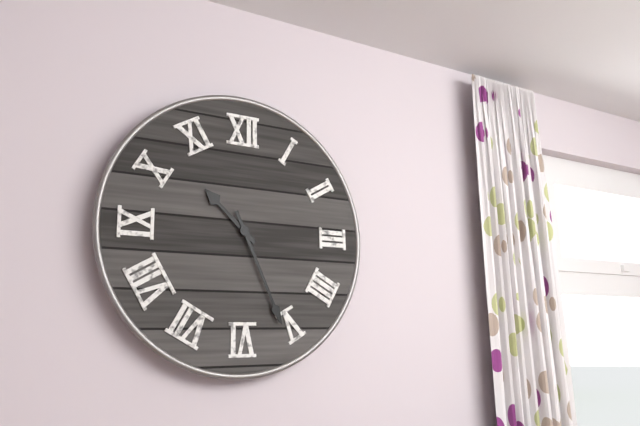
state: 10:26
